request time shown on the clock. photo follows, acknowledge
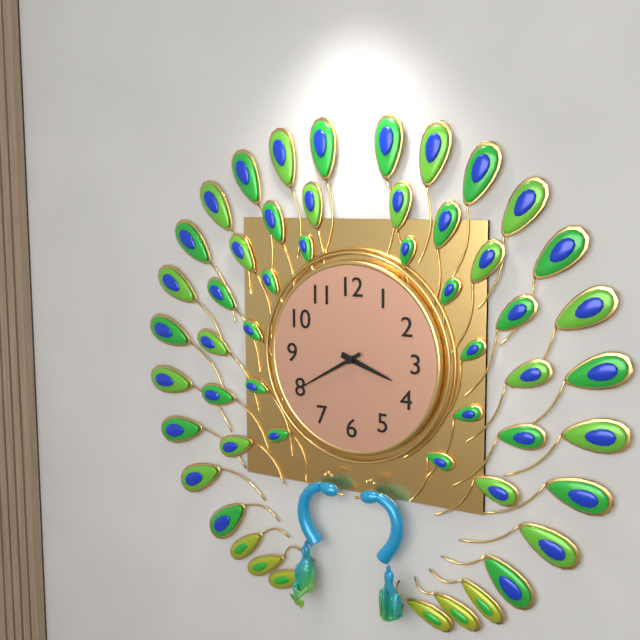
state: 3:40
